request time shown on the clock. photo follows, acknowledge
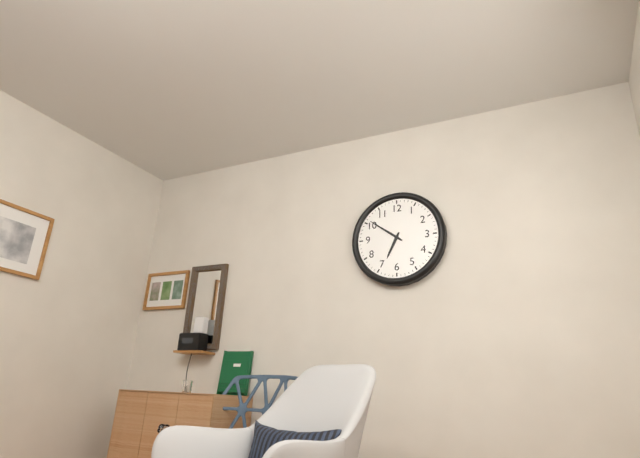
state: 6:51
